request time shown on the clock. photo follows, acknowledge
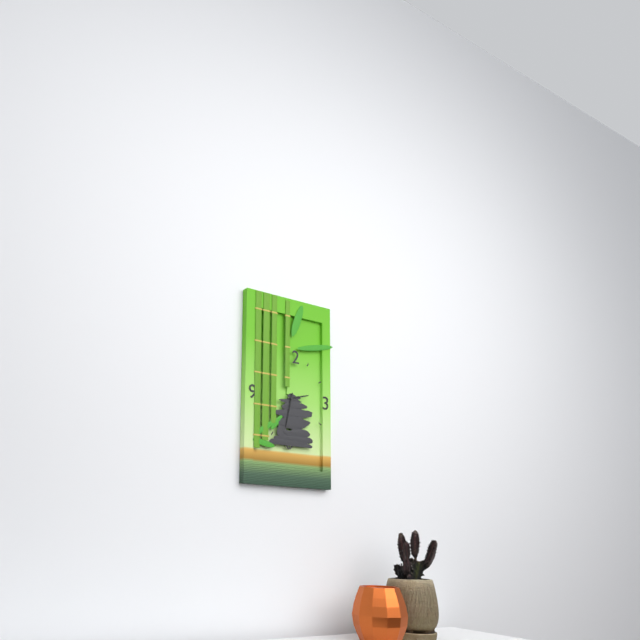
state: 2:32
